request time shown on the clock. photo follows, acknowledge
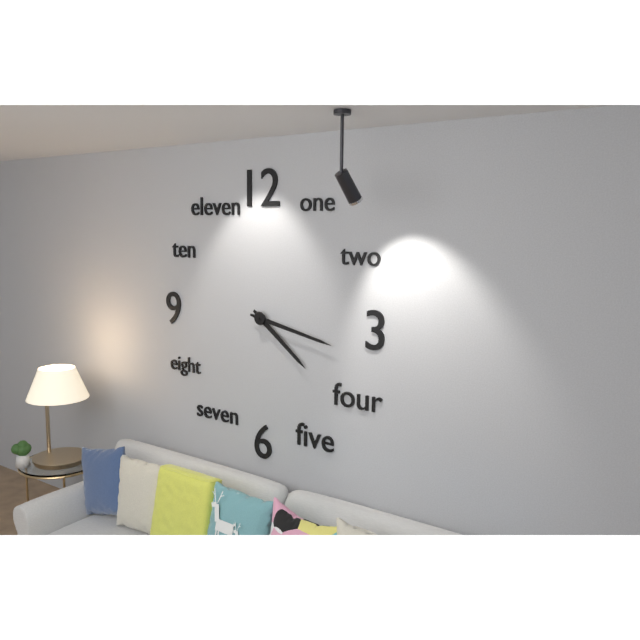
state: 4:17
